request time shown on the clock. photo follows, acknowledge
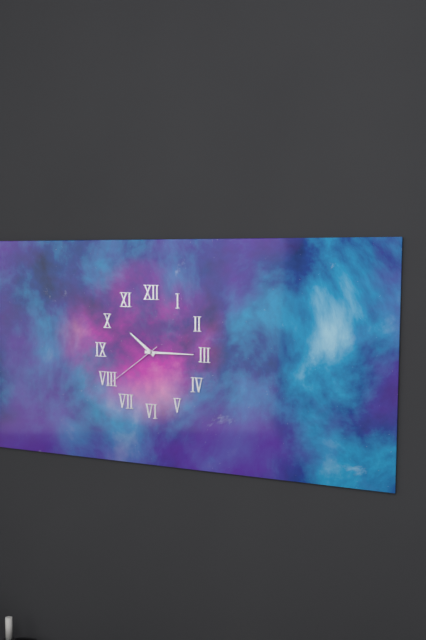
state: 10:15:39
